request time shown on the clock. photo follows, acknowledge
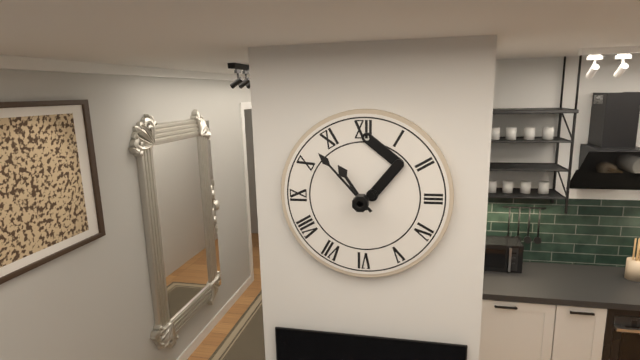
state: 10:53
